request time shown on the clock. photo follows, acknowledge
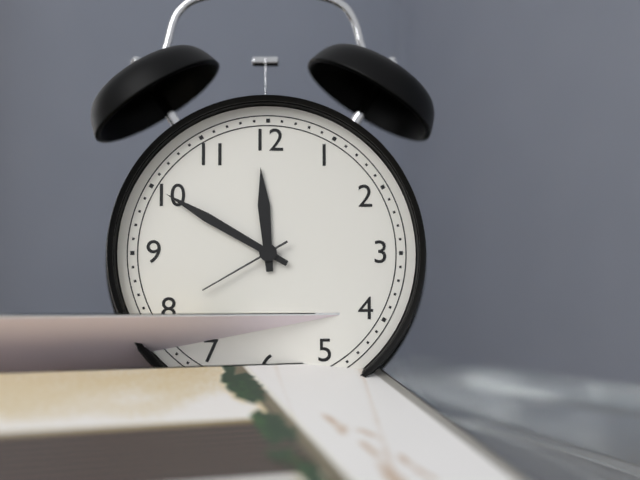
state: 11:50:40
